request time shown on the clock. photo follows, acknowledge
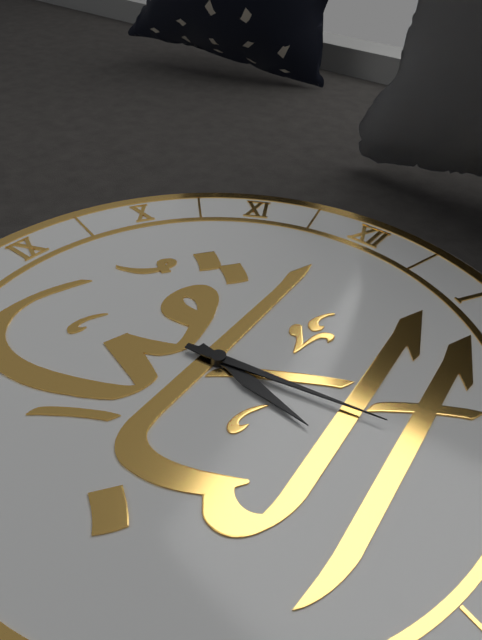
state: 3:13
